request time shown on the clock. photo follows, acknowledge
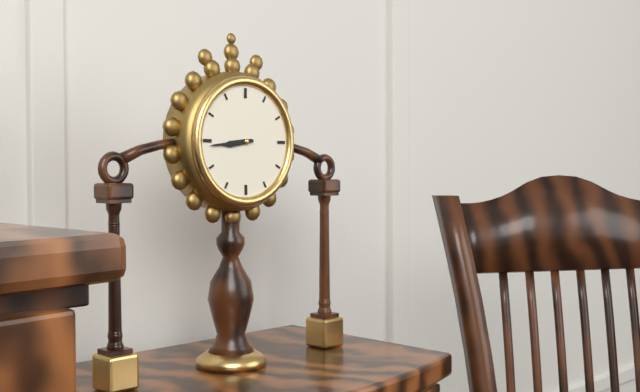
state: 8:44
